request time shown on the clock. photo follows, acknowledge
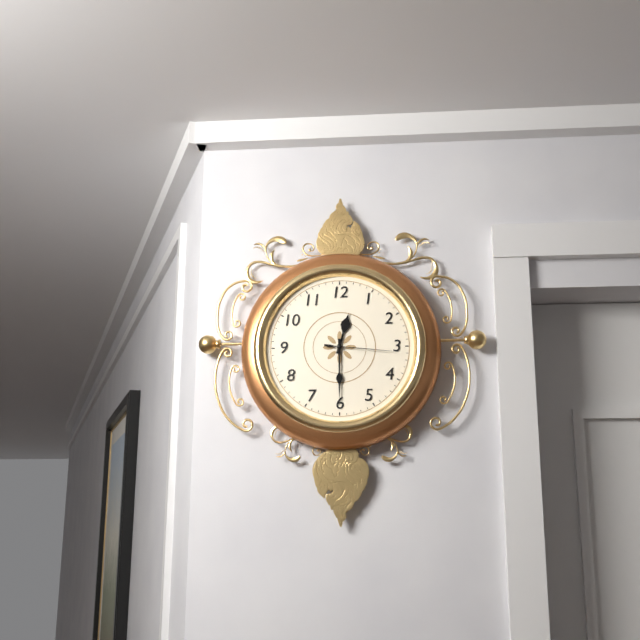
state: 12:30:16
